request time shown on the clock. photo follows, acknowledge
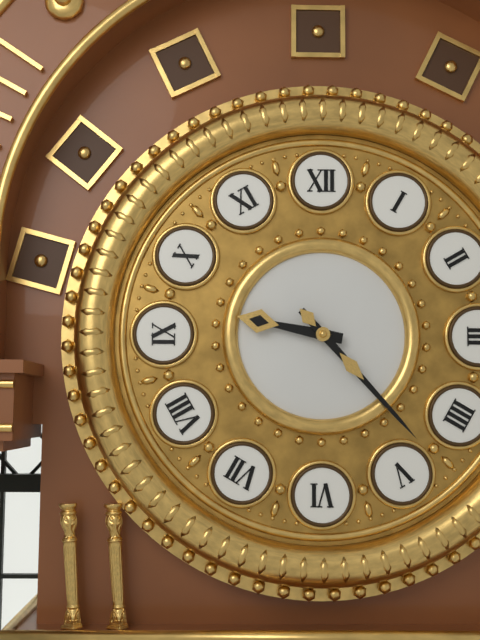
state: 9:23
